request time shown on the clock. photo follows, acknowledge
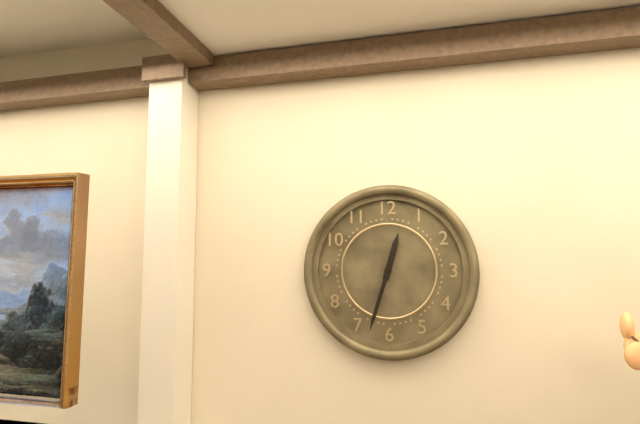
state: 12:33
